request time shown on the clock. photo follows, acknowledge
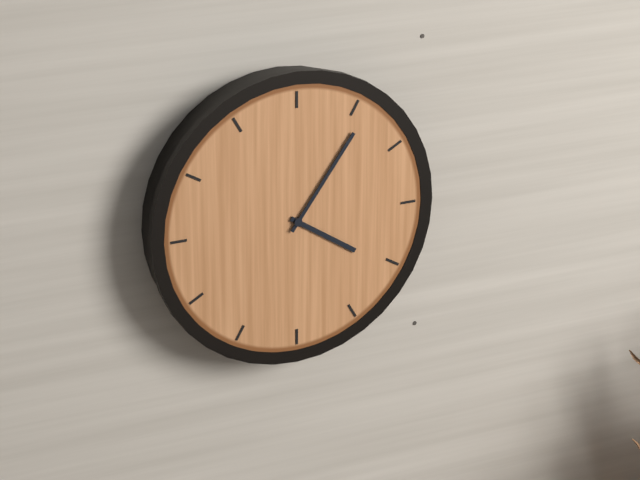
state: 4:06
